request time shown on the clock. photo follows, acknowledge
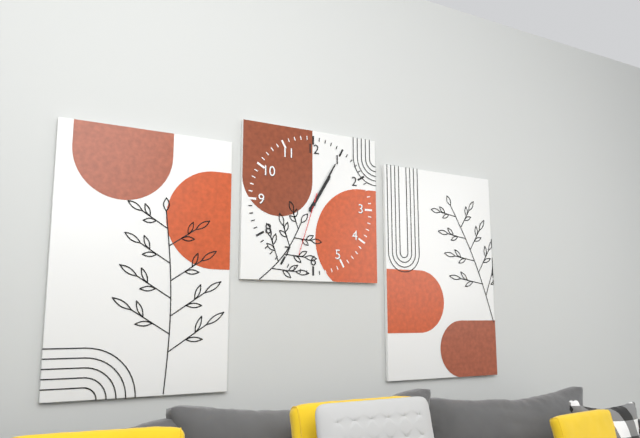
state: 1:05:33
